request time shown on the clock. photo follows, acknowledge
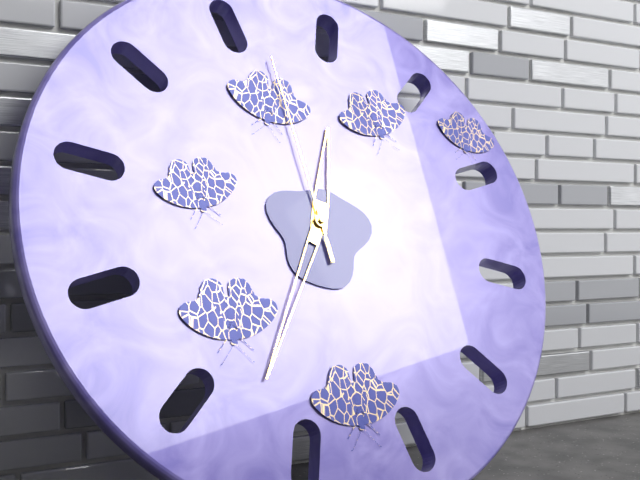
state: 12:35:59
